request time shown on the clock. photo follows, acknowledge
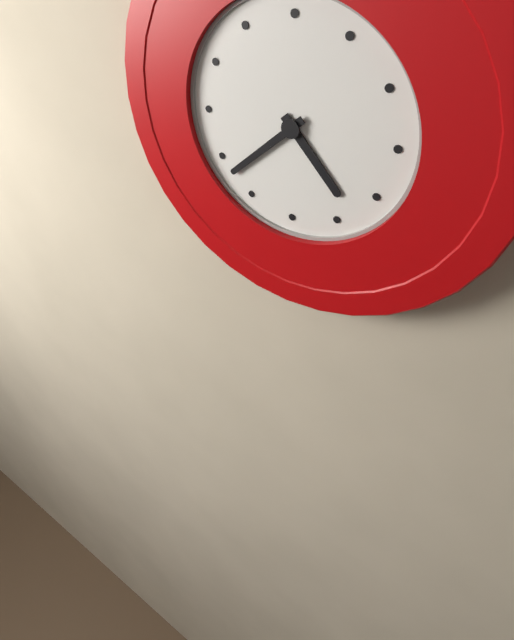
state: 4:38
